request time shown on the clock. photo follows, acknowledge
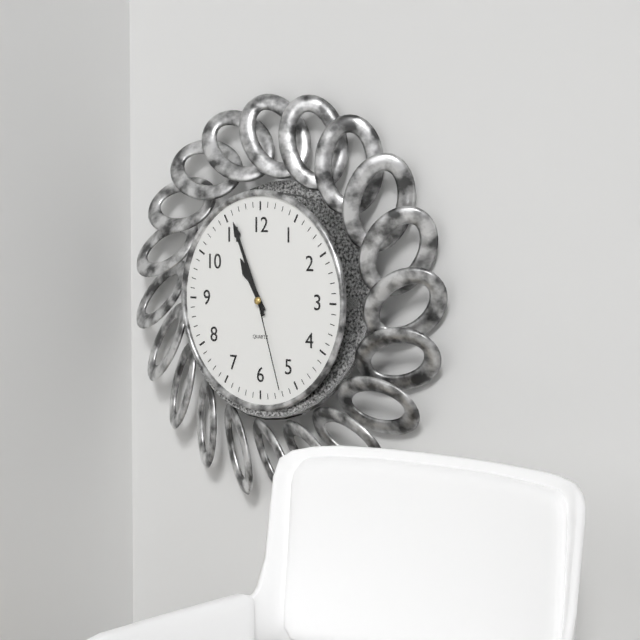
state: 10:56:27
